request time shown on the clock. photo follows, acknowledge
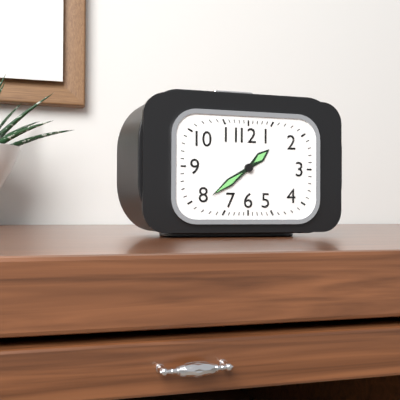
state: 1:39
